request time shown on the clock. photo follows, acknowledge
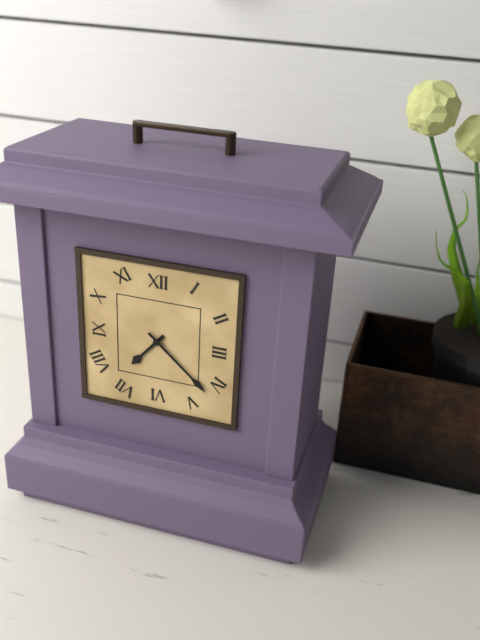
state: 7:22
